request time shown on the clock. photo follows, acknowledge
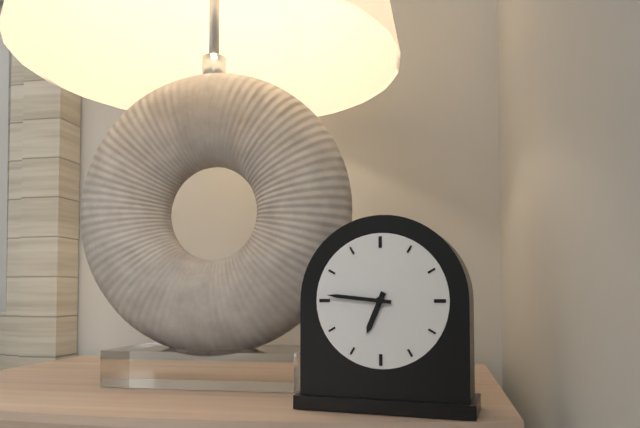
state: 6:46
